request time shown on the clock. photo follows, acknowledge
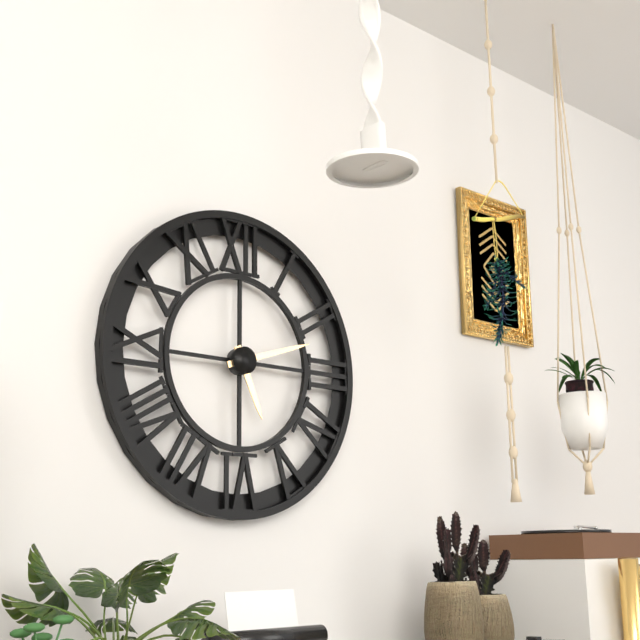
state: 5:12
